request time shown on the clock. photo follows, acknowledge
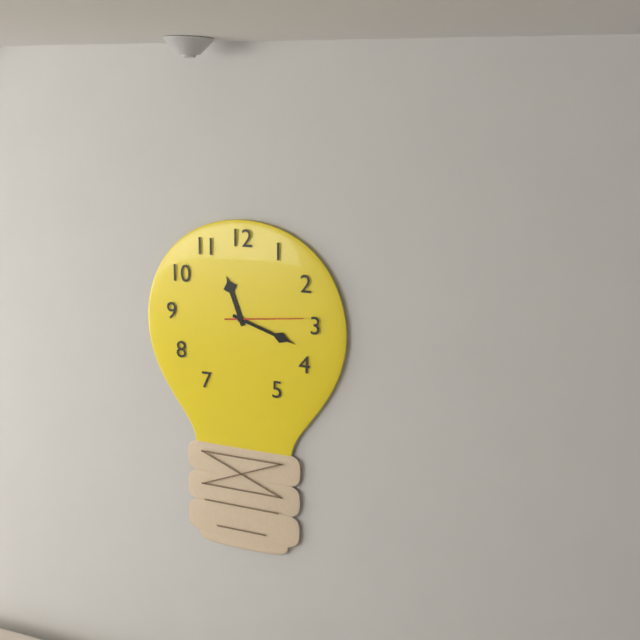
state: 11:18:14
